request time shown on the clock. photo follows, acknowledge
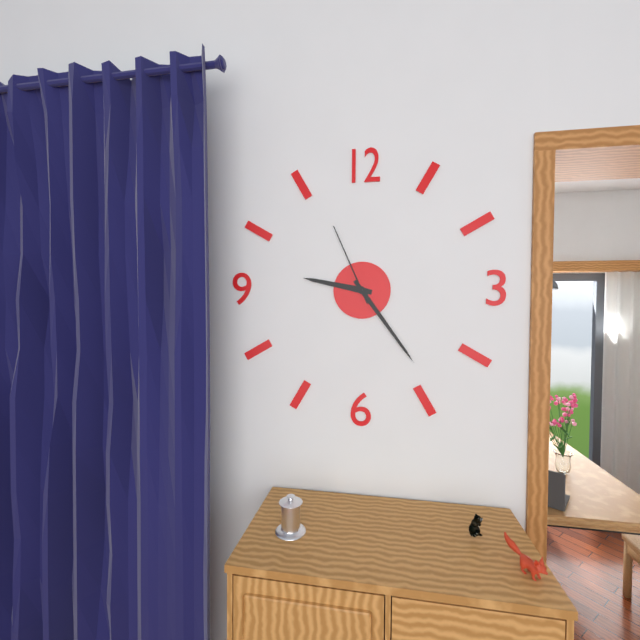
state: 9:24:56
